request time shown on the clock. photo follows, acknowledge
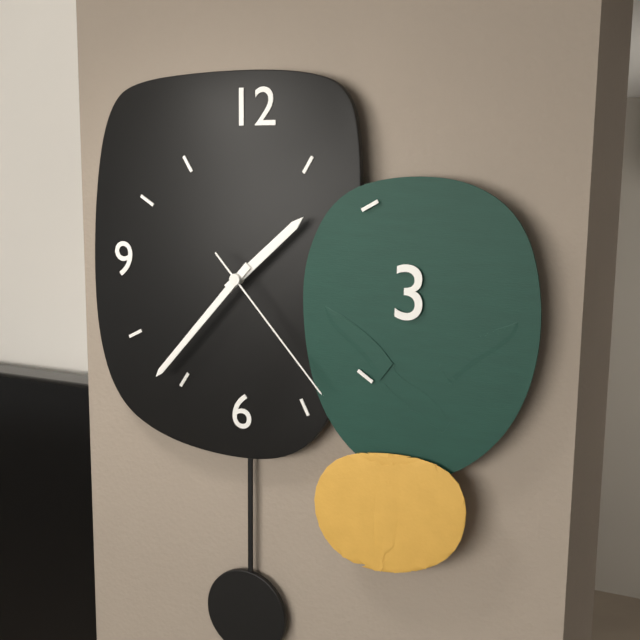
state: 1:37:23
